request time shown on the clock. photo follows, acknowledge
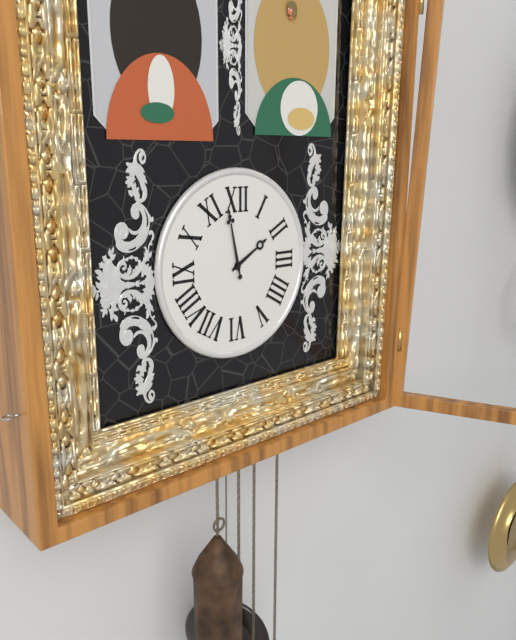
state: 1:58
